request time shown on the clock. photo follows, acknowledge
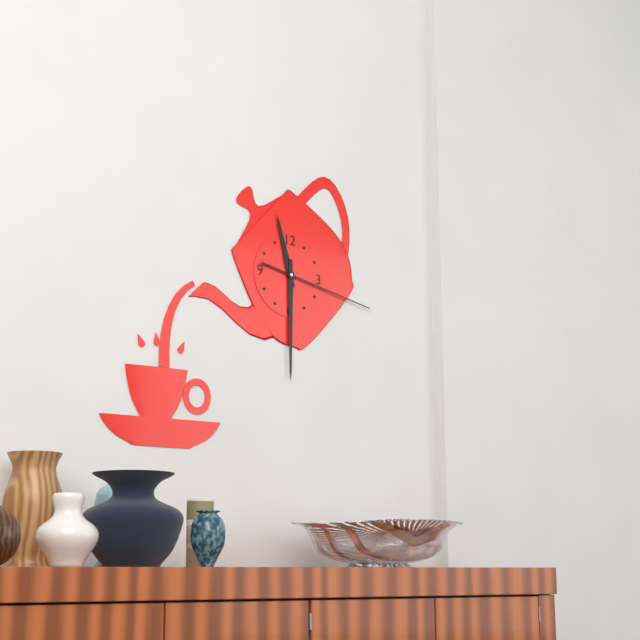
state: 11:30:17
